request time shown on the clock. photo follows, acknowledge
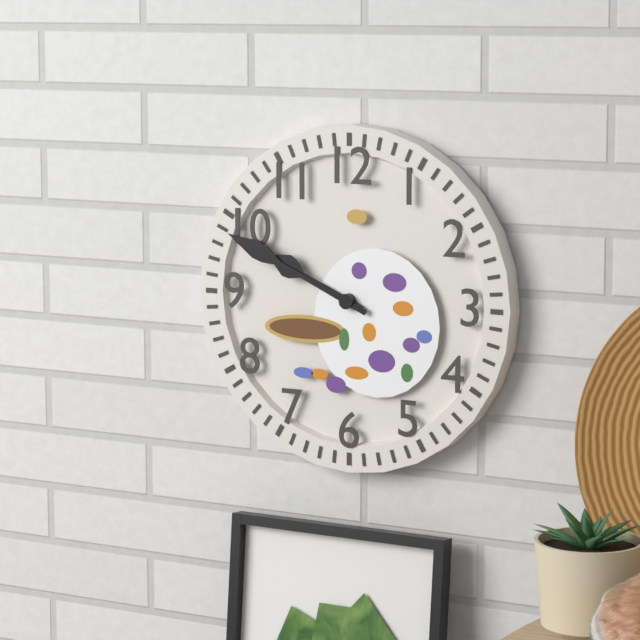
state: 9:49
